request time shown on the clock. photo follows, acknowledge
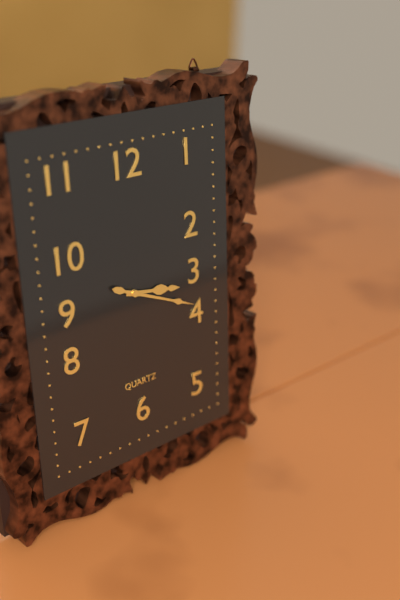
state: 3:19
